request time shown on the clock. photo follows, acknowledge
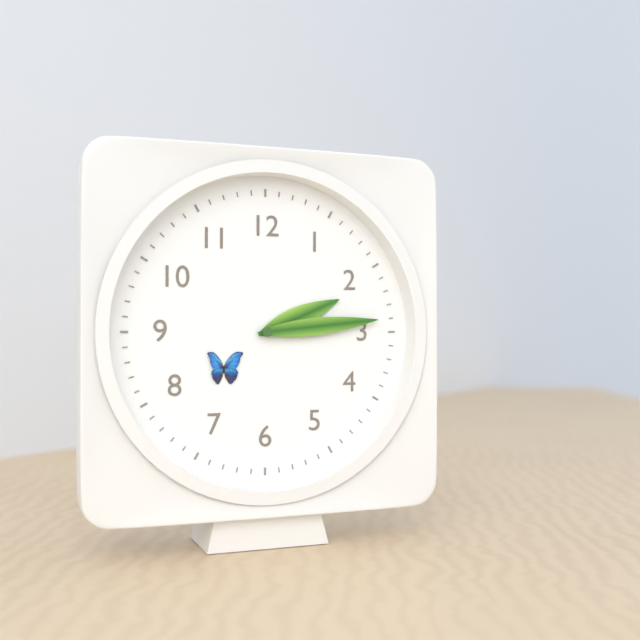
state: 2:14
